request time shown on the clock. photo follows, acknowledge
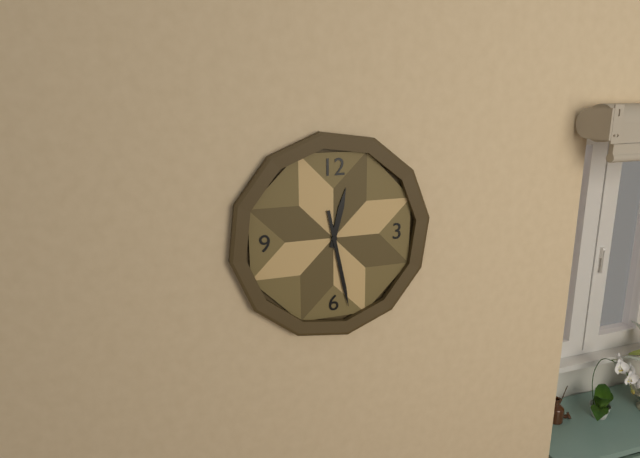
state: 12:28
